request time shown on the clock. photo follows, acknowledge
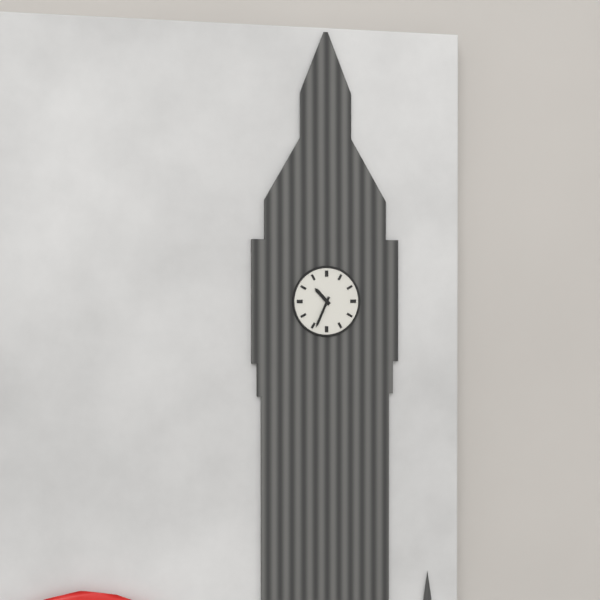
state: 10:34
